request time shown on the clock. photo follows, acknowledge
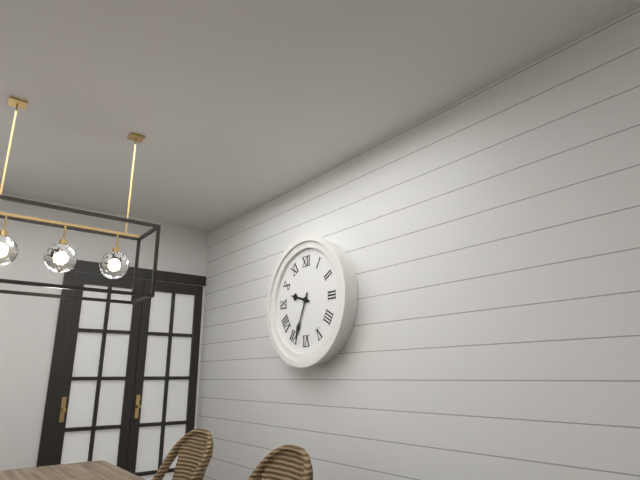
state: 9:34
